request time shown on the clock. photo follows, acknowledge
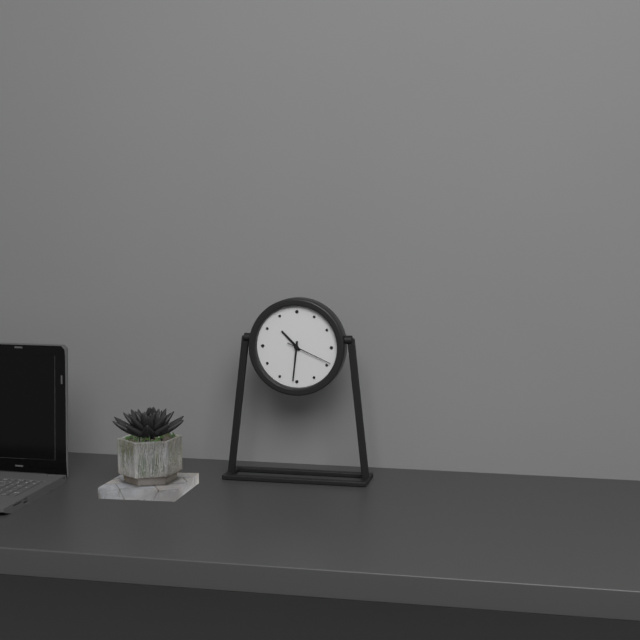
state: 10:31
